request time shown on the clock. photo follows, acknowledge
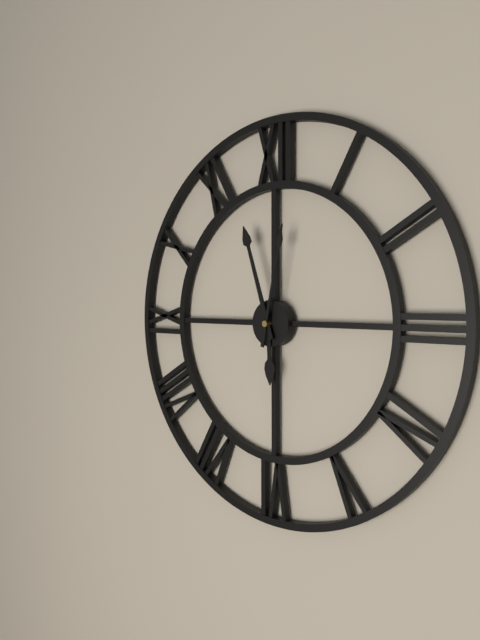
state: 5:57:02
